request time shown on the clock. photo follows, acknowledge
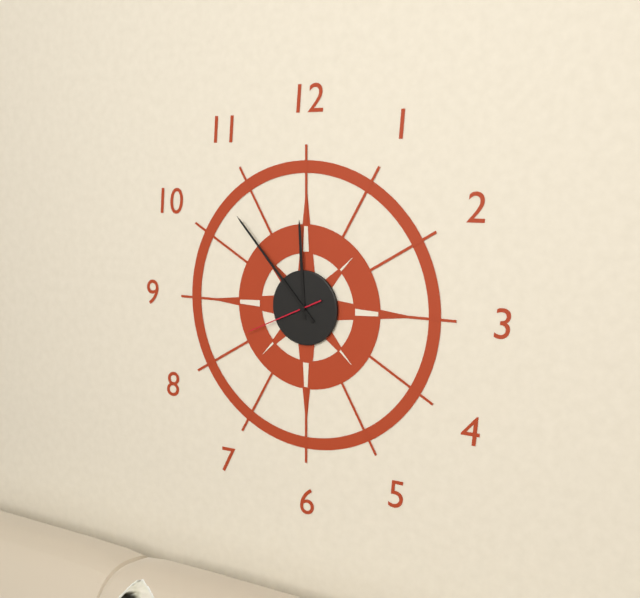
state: 11:53:41
